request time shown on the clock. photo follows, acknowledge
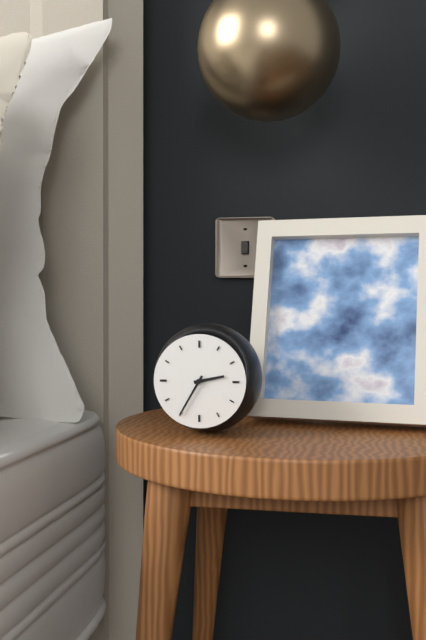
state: 2:35
